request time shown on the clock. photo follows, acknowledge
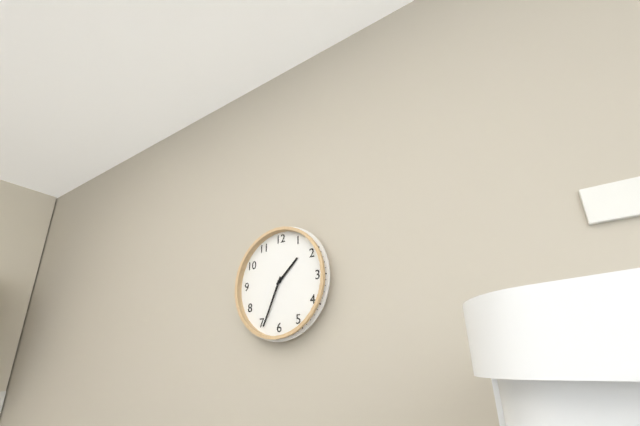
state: 1:34
